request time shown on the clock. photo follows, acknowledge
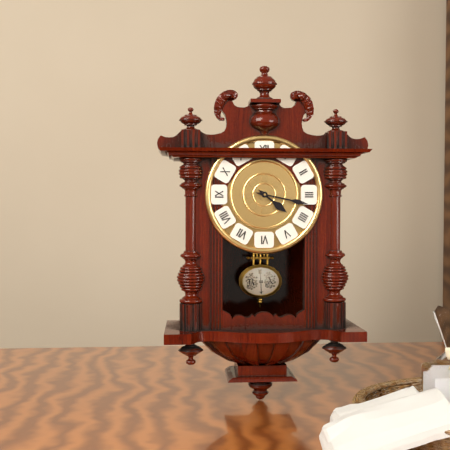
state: 4:17
